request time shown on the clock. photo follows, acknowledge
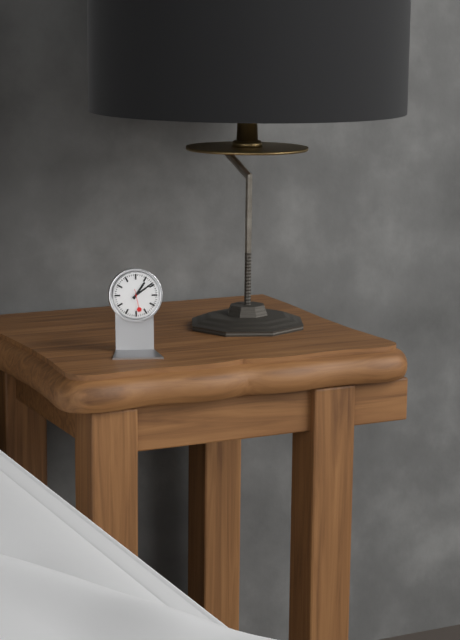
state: 1:09
